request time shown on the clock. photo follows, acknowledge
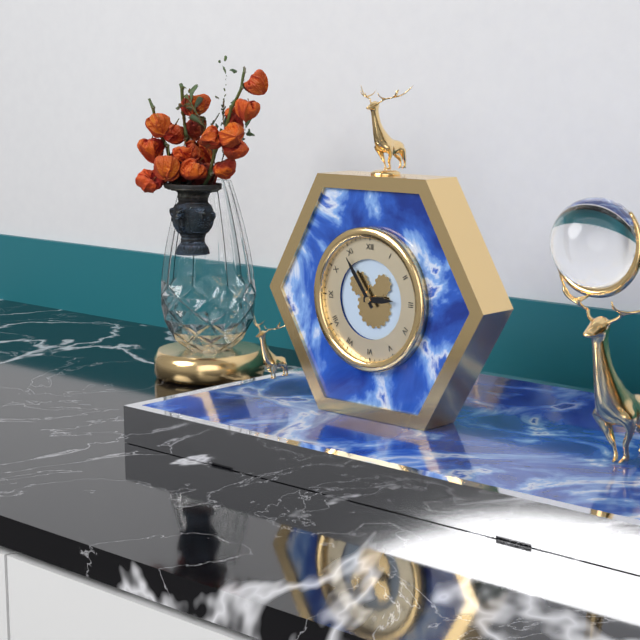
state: 2:54
